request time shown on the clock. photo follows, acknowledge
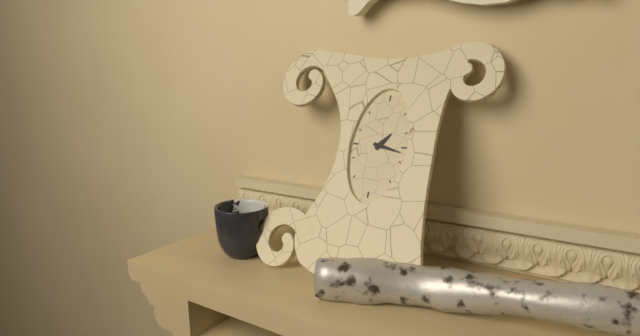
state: 1:17
